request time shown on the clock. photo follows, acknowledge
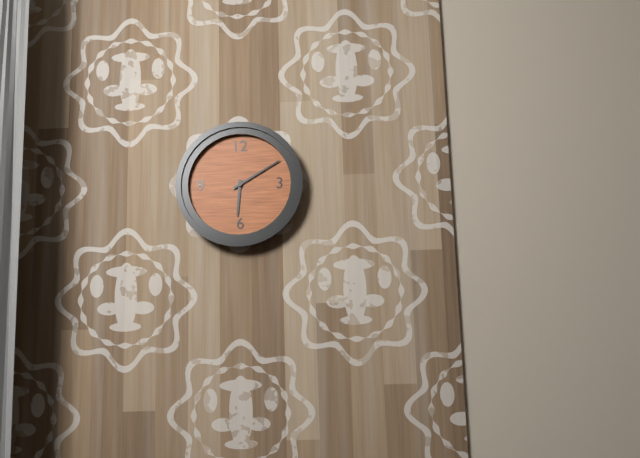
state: 6:10
